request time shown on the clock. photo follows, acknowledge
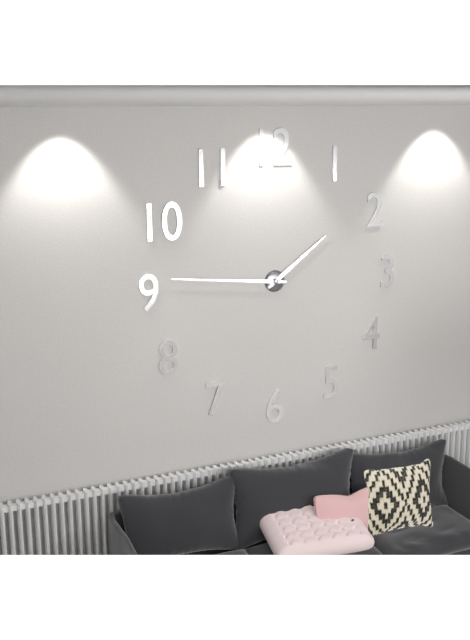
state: 1:46
